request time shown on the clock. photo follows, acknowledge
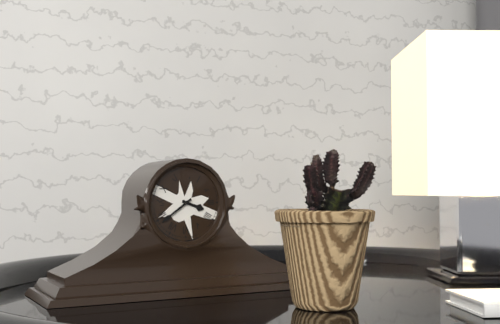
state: 3:39
